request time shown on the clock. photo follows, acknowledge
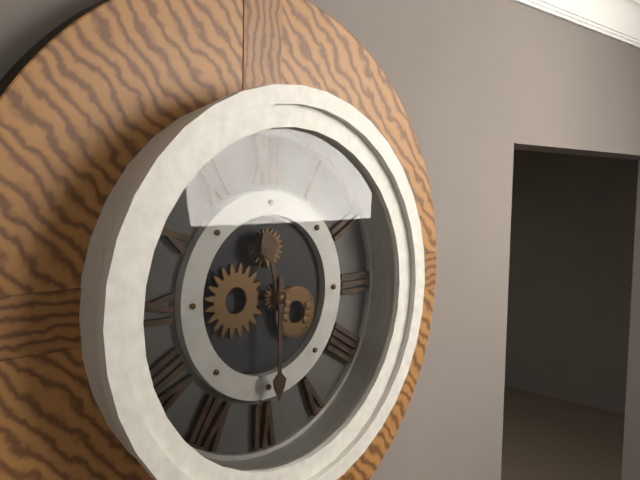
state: 11:30
